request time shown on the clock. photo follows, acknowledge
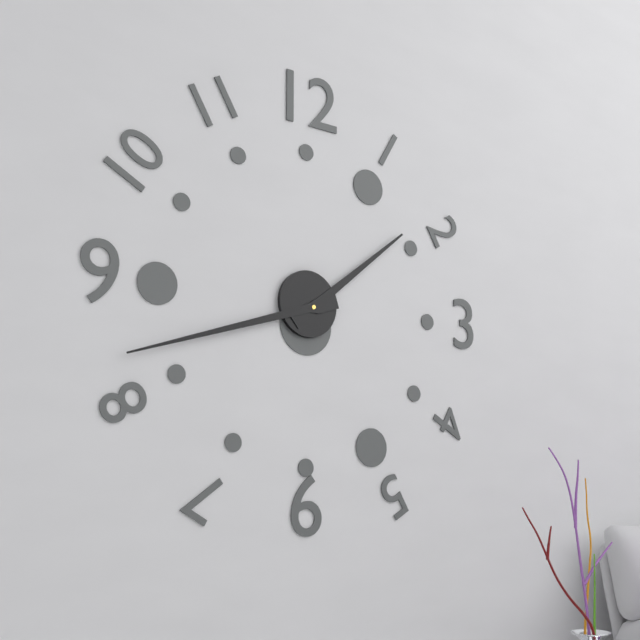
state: 1:42
